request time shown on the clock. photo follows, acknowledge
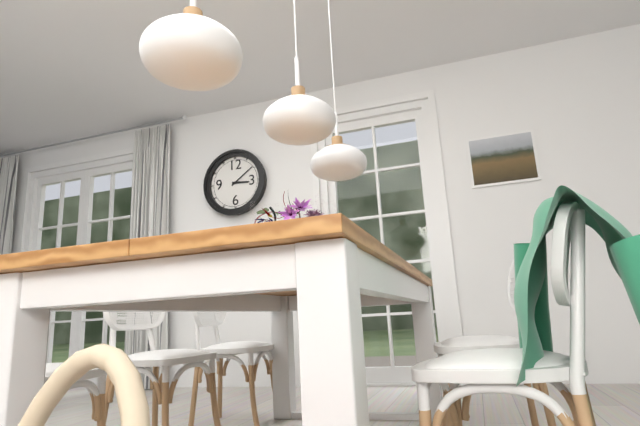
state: 3:09
